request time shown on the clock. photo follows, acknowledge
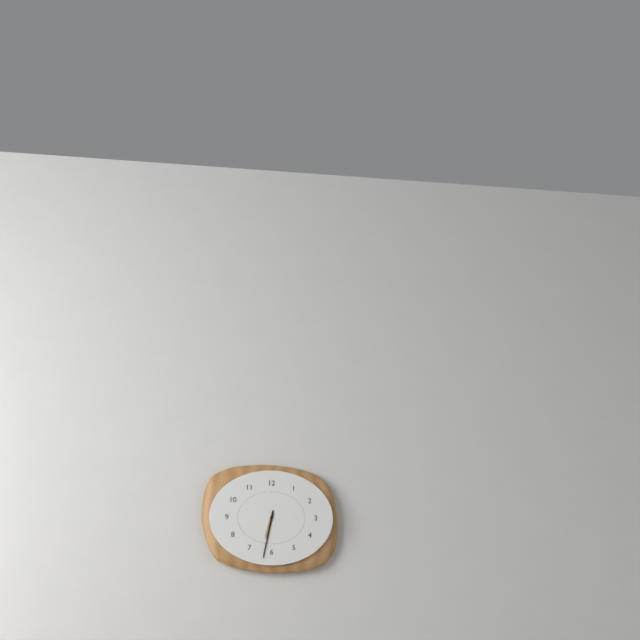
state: 6:32
